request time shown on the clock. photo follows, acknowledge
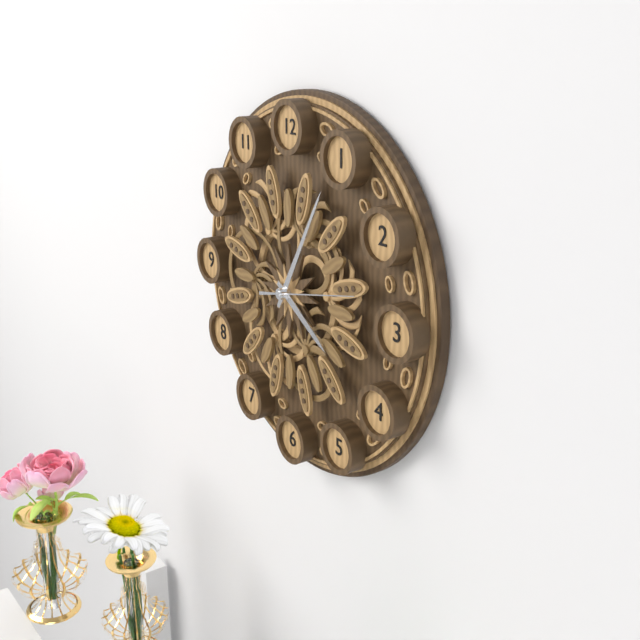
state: 4:05
